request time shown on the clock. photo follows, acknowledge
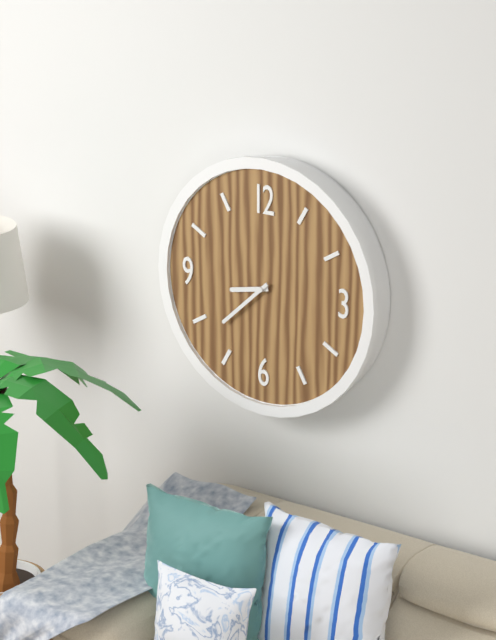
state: 8:38
